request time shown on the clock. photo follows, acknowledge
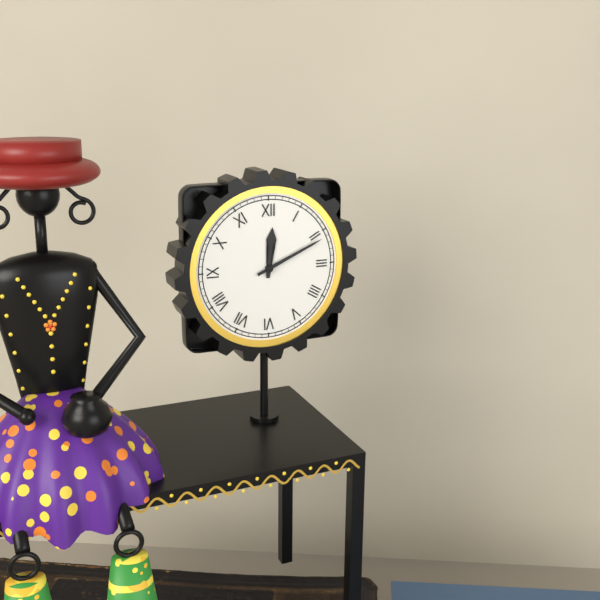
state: 12:11
